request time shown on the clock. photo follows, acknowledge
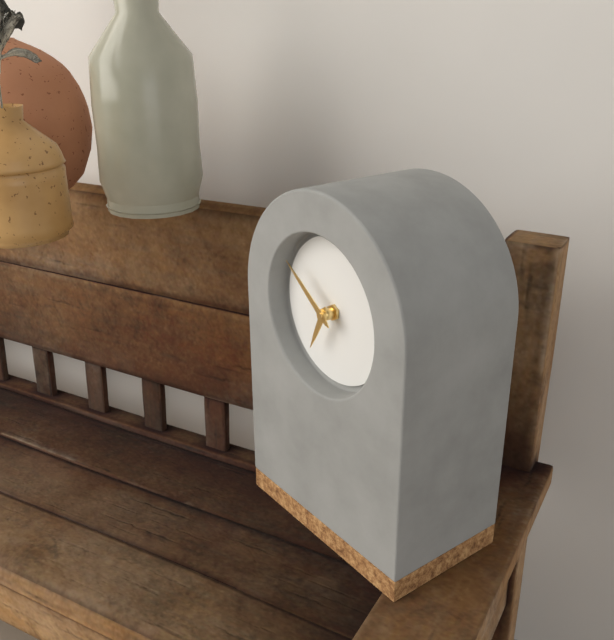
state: 6:51
